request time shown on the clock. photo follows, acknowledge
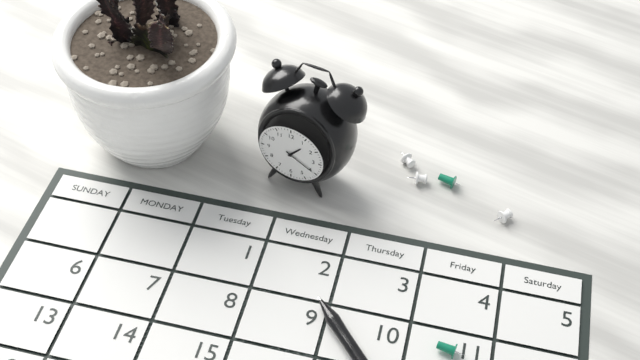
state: 1:20
